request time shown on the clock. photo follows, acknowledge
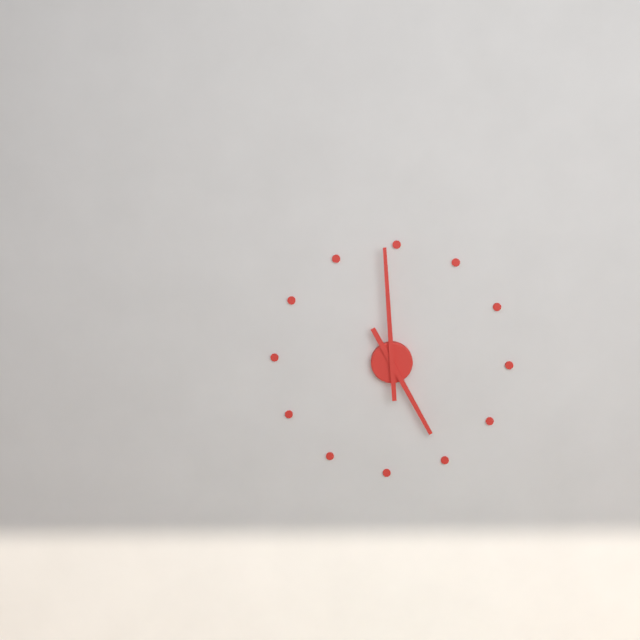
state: 4:59
